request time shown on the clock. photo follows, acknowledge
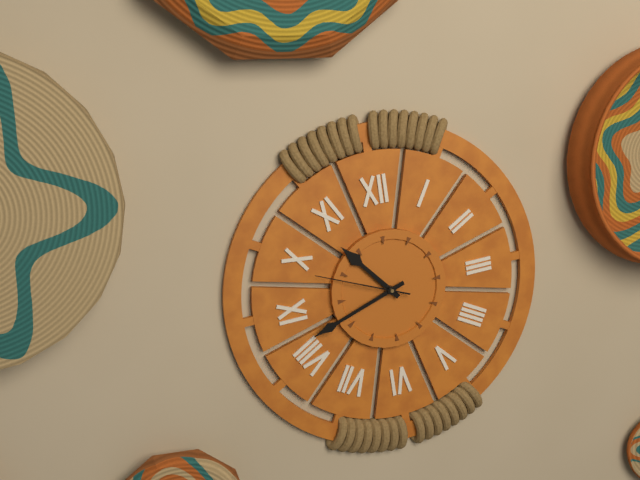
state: 10:42:49
